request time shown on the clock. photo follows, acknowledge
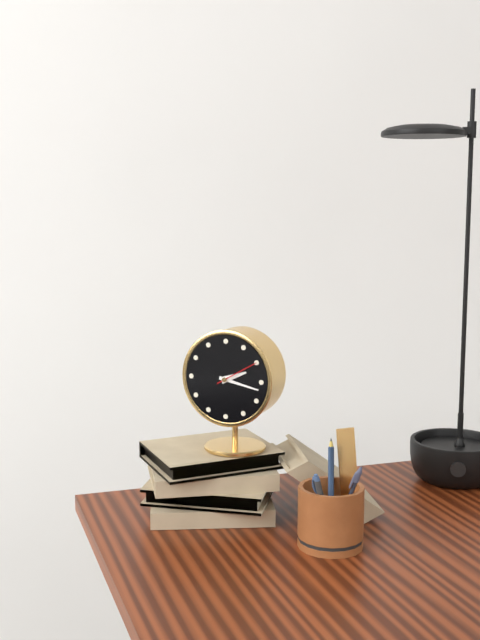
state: 2:17
